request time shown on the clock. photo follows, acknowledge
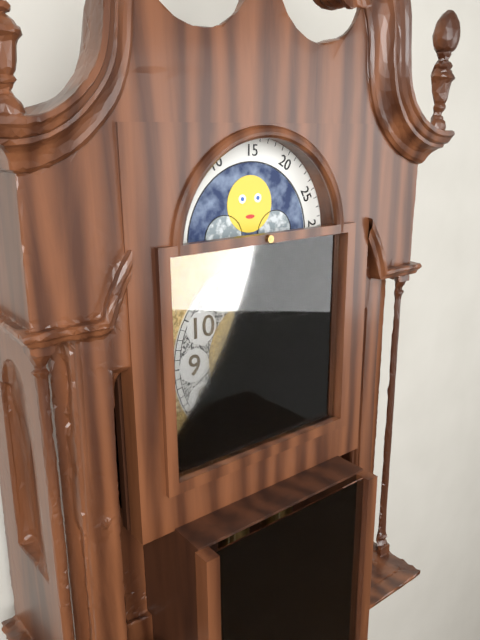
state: 2:56
